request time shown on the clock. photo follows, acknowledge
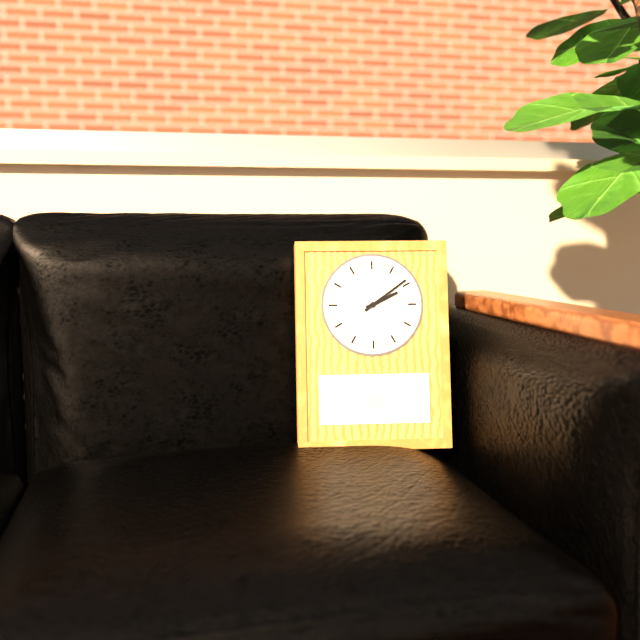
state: 2:09
